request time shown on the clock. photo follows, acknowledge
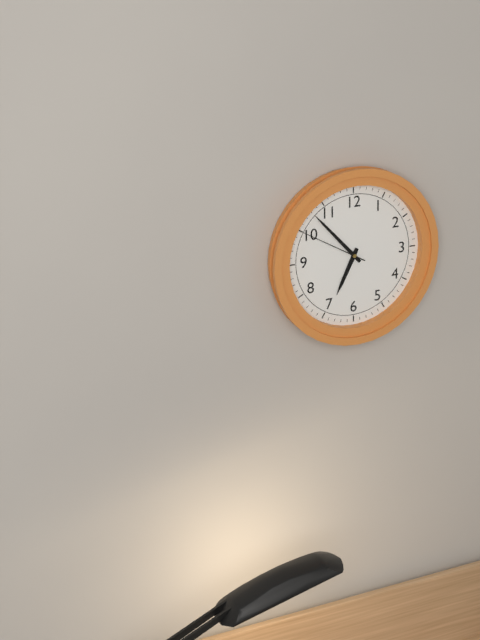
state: 6:53:50
